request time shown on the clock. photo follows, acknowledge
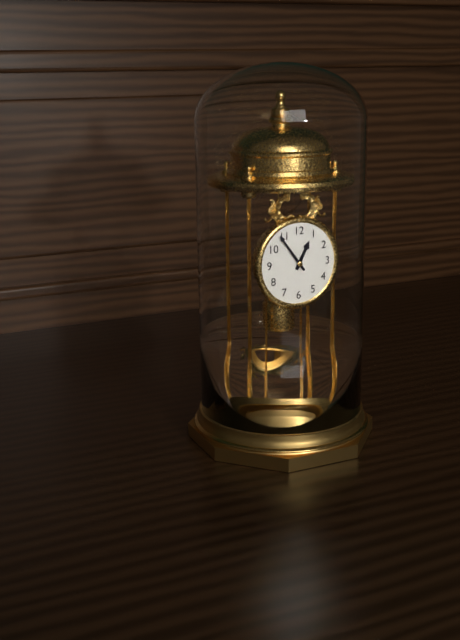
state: 12:54
